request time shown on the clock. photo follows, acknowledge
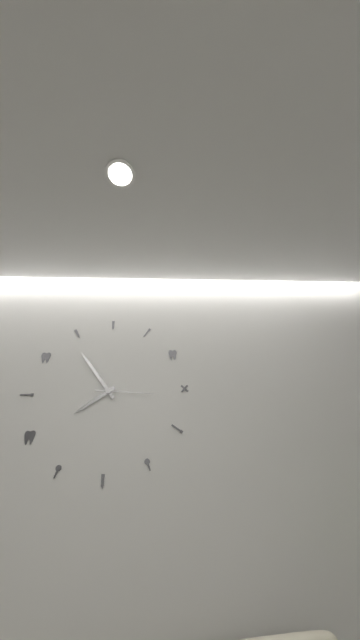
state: 7:54:16
